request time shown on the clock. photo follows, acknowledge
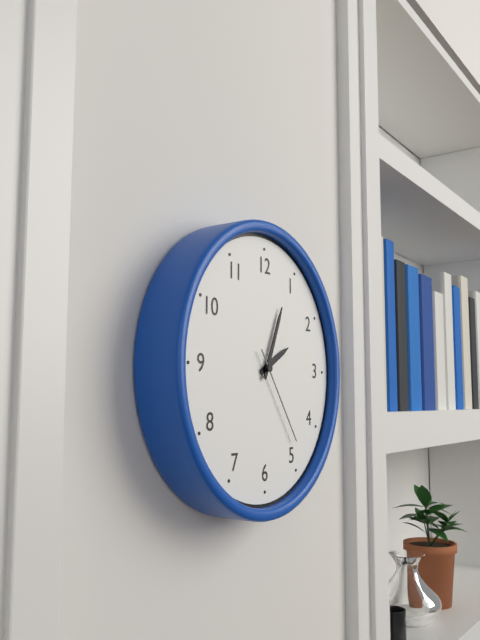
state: 2:04:24
